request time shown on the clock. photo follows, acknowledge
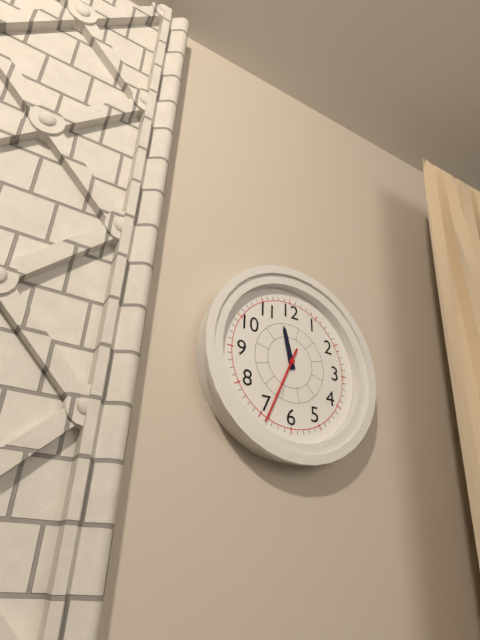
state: 11:34
